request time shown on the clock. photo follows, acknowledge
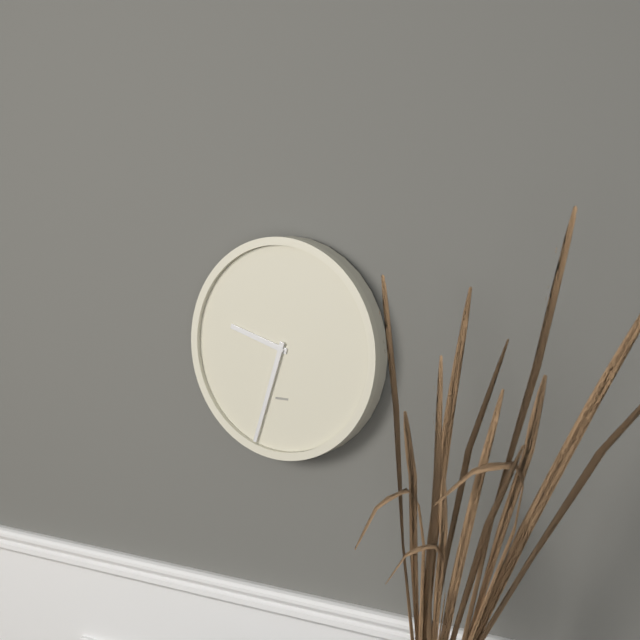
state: 9:33
